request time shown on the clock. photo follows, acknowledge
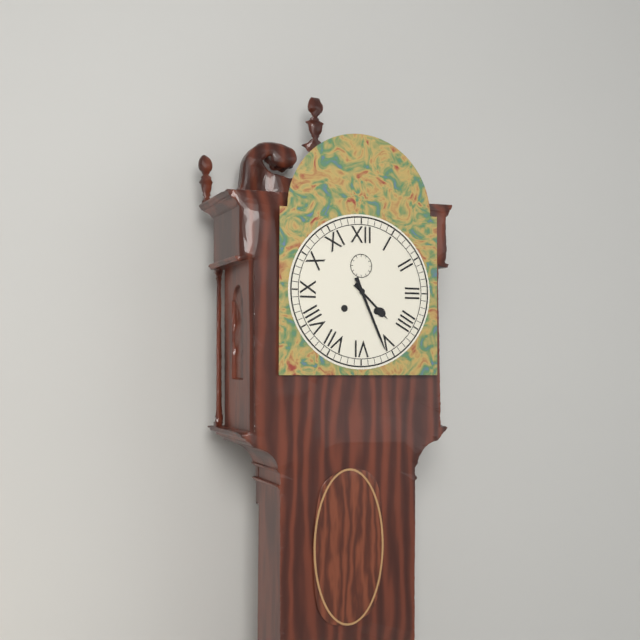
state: 4:26
